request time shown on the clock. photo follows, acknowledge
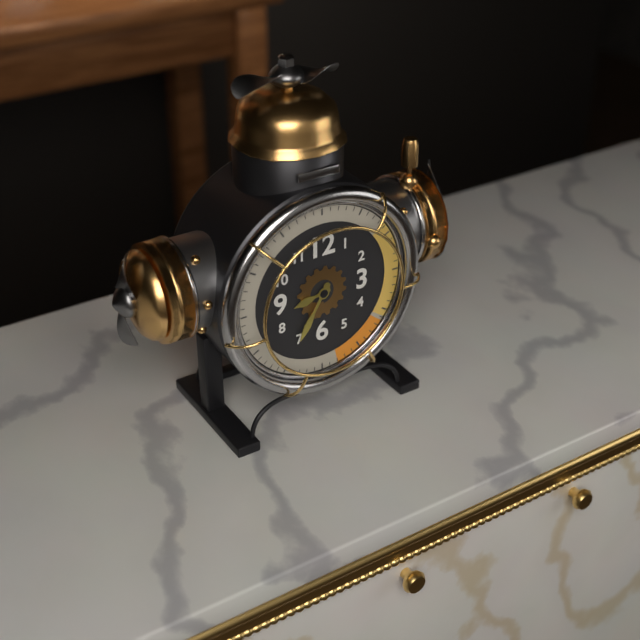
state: 8:35
